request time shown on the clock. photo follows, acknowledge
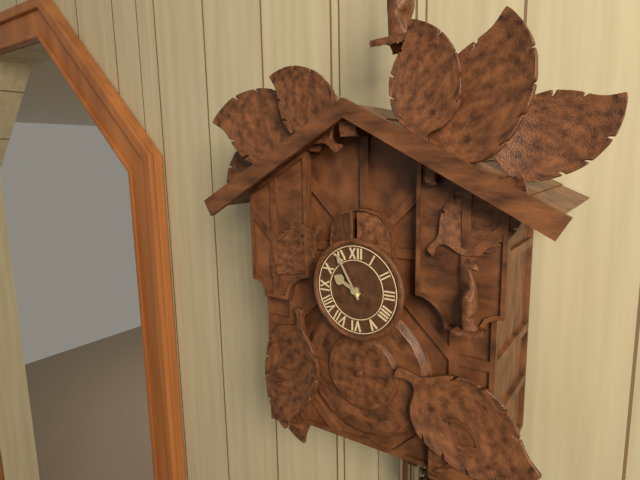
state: 9:55
